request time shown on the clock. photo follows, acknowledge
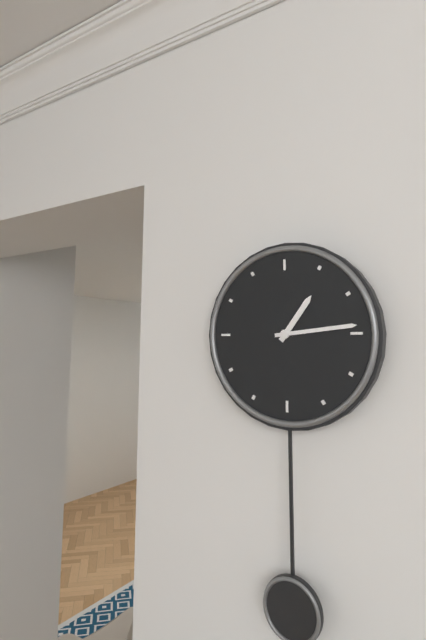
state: 1:14
